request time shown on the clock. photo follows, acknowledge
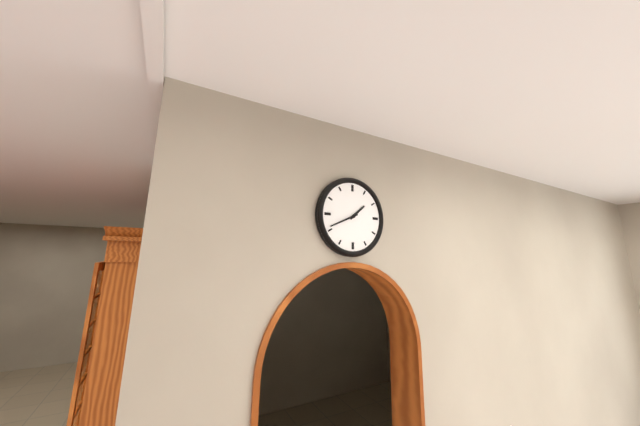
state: 1:41
